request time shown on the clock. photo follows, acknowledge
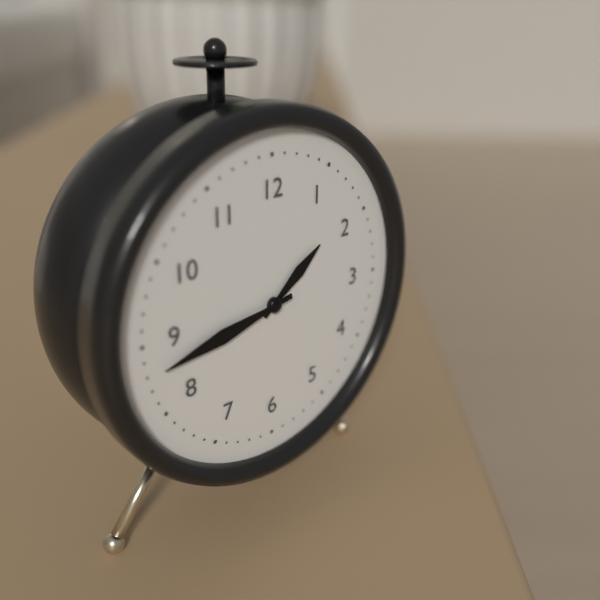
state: 1:43
